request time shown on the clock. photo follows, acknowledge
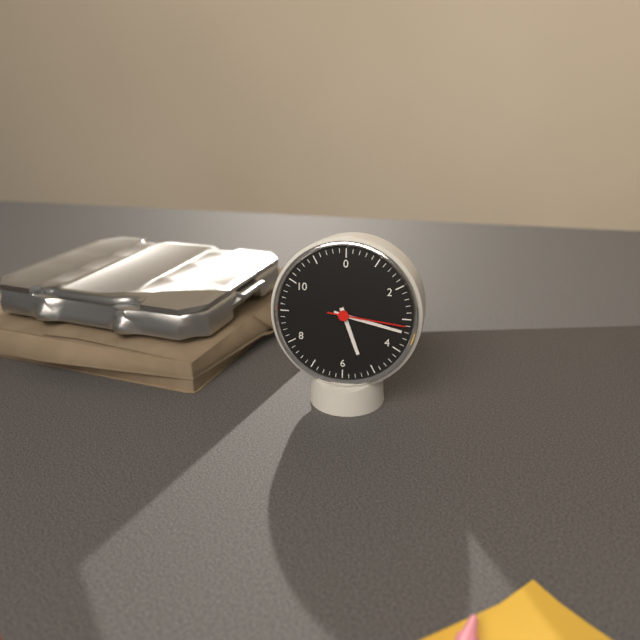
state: 5:17:16
